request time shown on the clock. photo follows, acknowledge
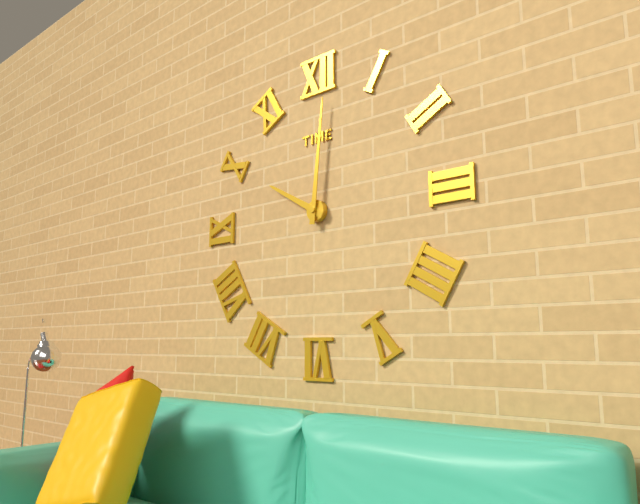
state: 10:01
